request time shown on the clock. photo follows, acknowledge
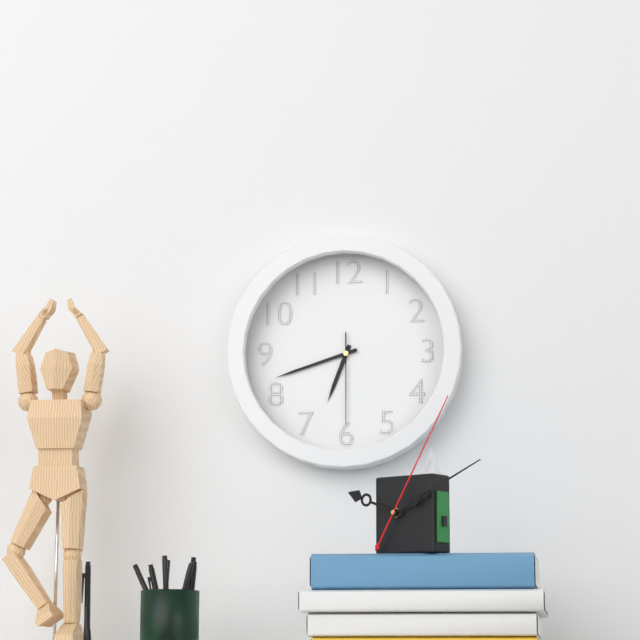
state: 6:42:30
